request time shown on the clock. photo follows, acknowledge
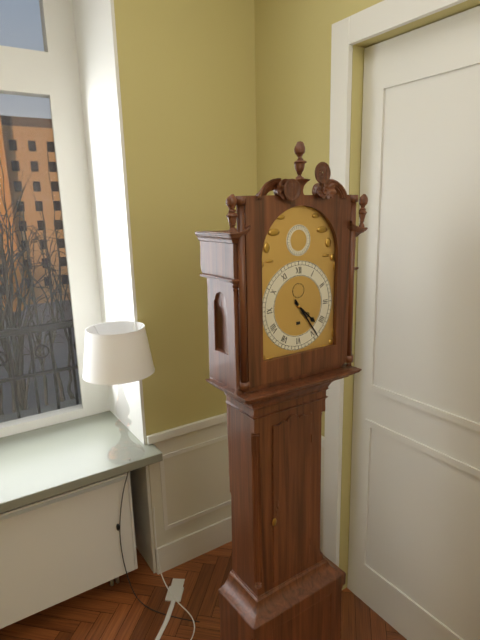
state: 4:24
